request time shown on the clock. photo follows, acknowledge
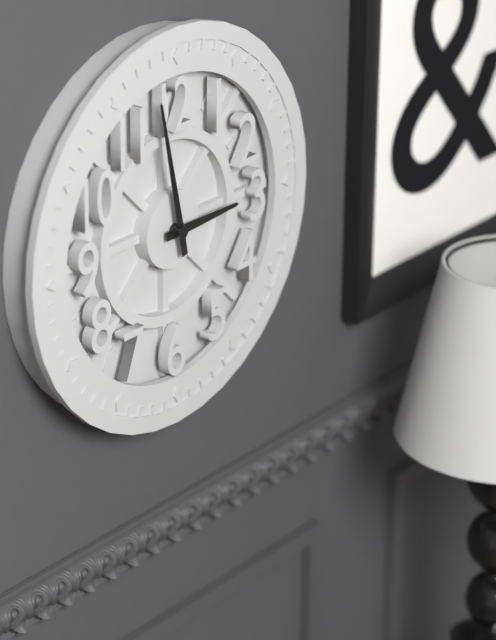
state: 2:58
